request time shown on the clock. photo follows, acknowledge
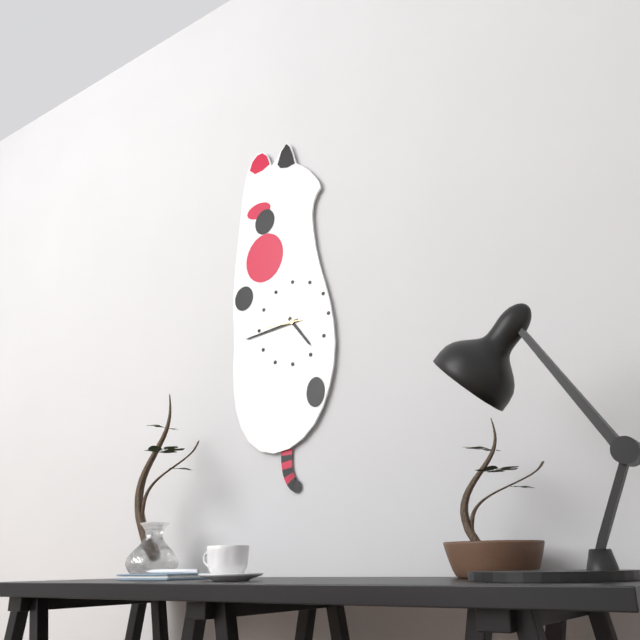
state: 4:44
